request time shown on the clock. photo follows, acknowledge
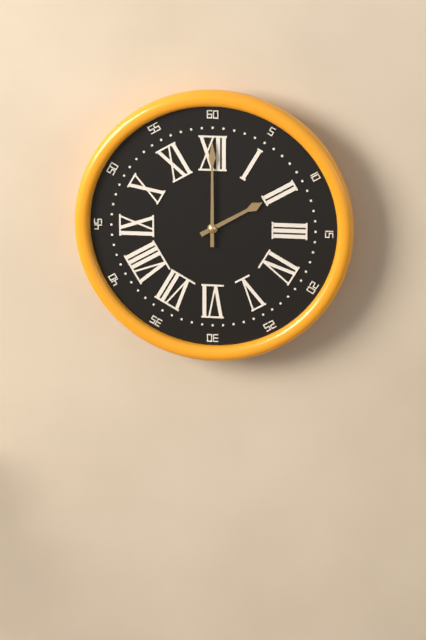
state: 2:00
